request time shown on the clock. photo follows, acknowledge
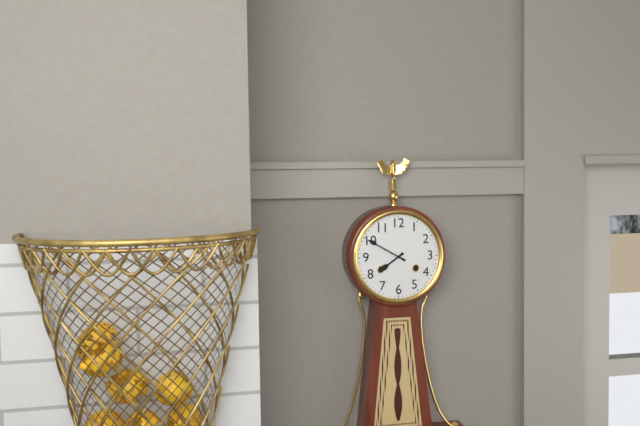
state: 7:50
